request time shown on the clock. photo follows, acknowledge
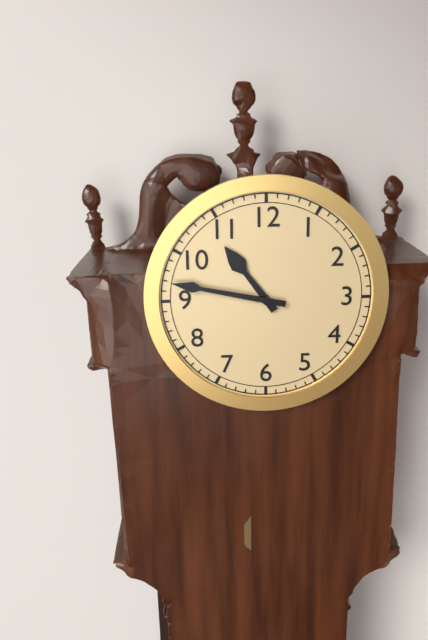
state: 10:47
